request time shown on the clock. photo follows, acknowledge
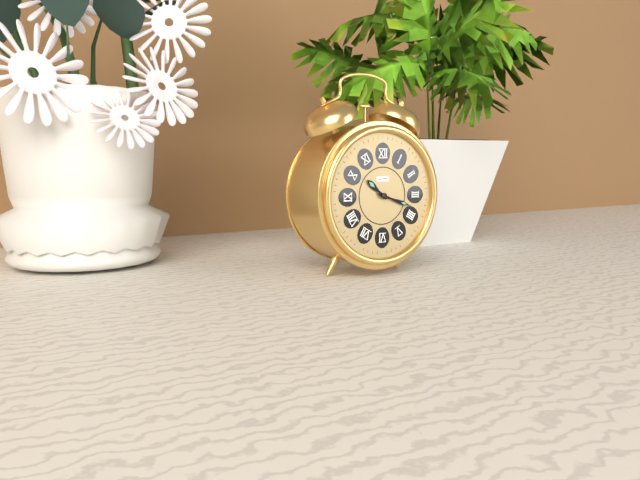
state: 10:18
